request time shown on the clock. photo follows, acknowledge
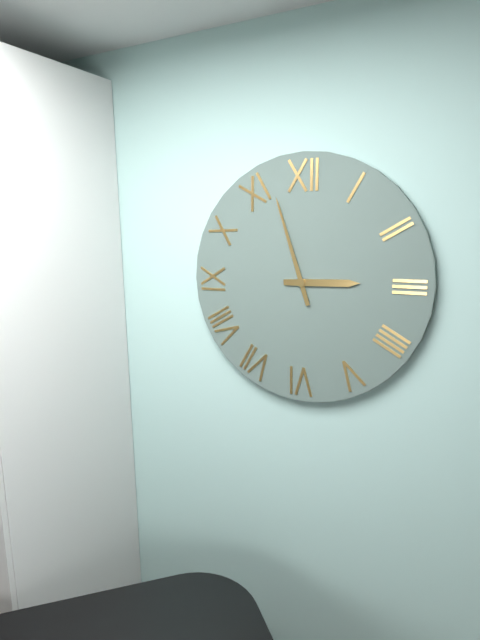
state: 2:57
